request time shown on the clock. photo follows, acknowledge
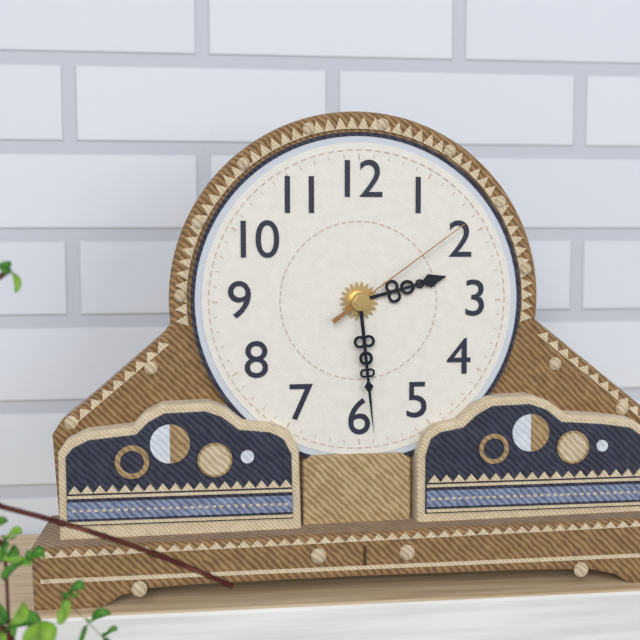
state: 2:29:09
